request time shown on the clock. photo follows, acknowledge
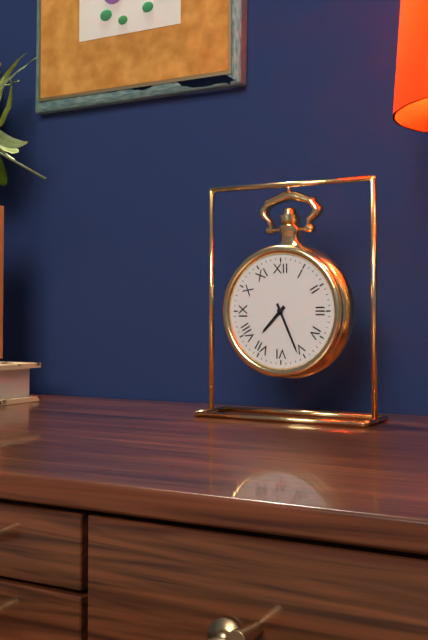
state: 7:26
